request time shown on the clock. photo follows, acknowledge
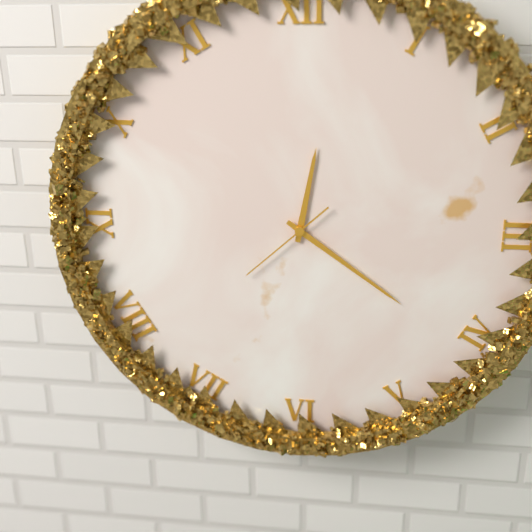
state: 12:21:38
